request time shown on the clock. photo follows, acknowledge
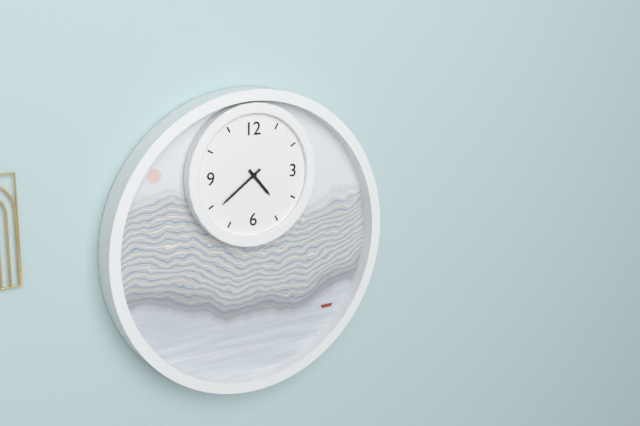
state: 4:39
